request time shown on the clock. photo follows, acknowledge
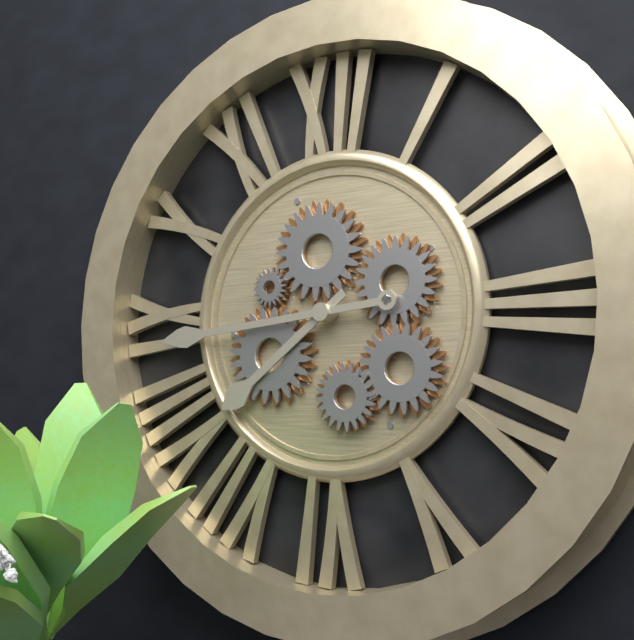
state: 7:44
